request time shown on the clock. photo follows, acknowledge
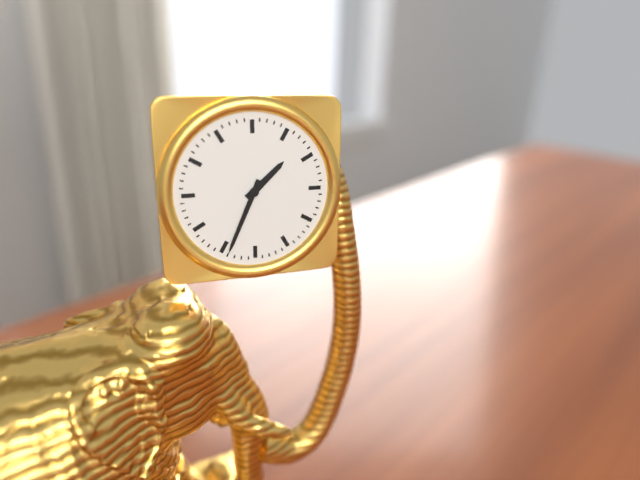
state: 1:34
